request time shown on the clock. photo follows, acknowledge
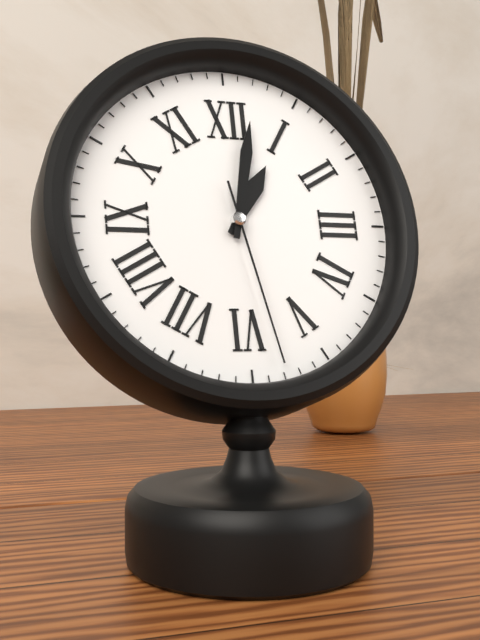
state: 1:02:28
